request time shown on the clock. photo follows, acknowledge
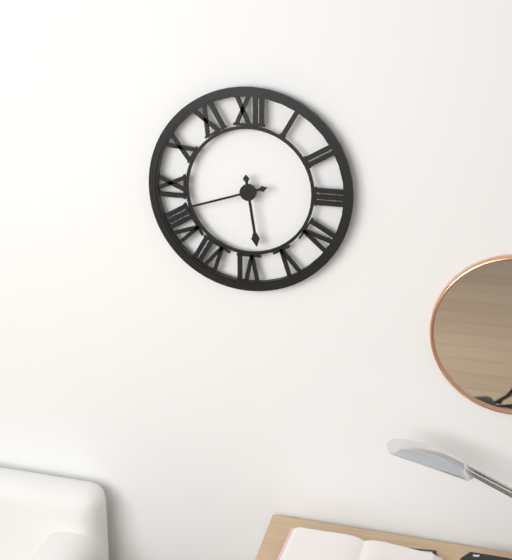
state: 5:42
